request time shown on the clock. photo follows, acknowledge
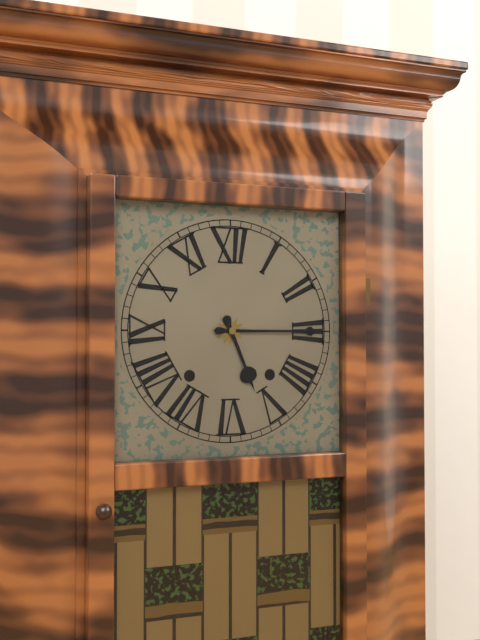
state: 5:15
